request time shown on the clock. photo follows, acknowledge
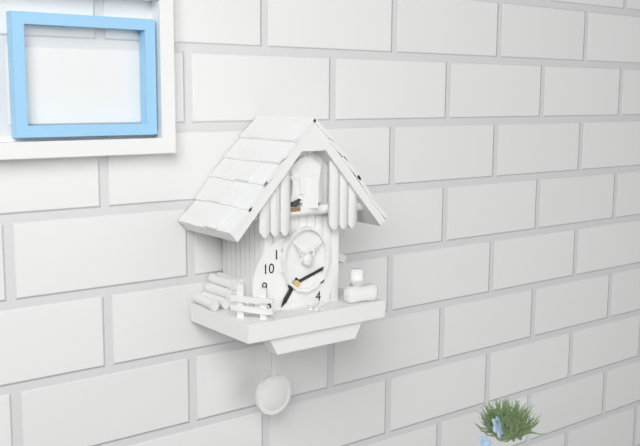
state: 7:12
